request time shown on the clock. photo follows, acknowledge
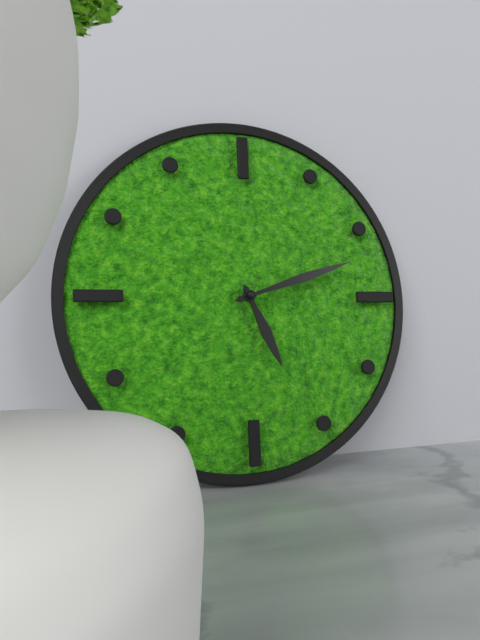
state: 5:12
